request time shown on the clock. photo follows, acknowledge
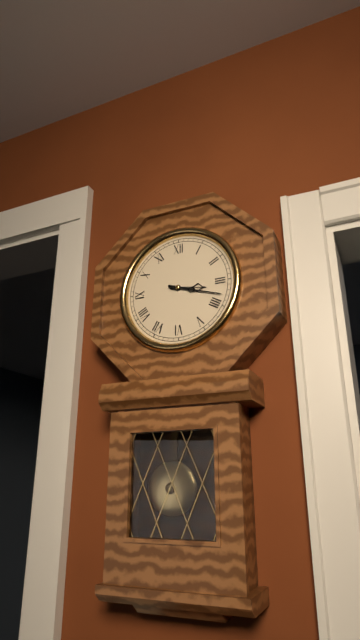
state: 3:18
